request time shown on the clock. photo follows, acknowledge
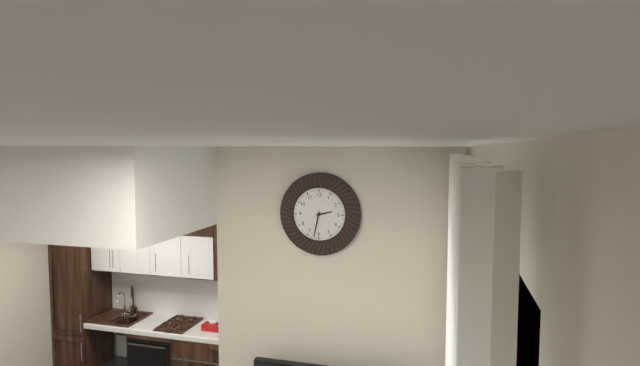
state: 2:32
